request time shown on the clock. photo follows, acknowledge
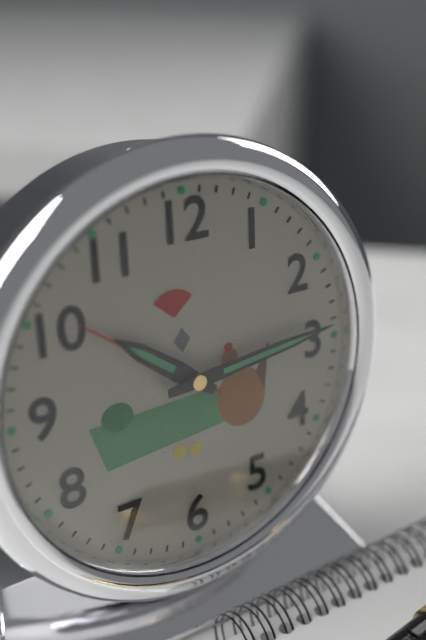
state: 10:14
